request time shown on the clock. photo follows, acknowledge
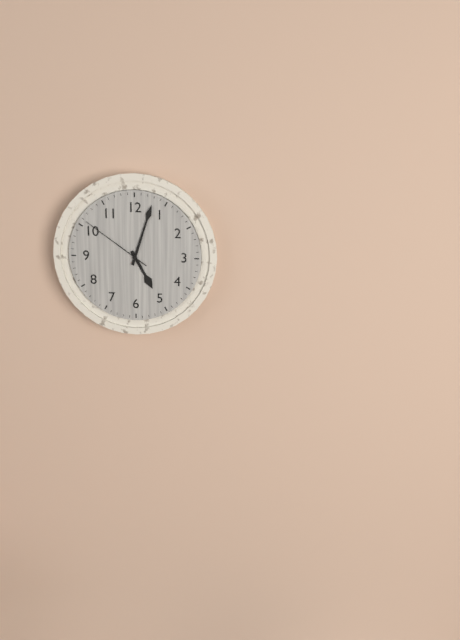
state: 5:03:51
